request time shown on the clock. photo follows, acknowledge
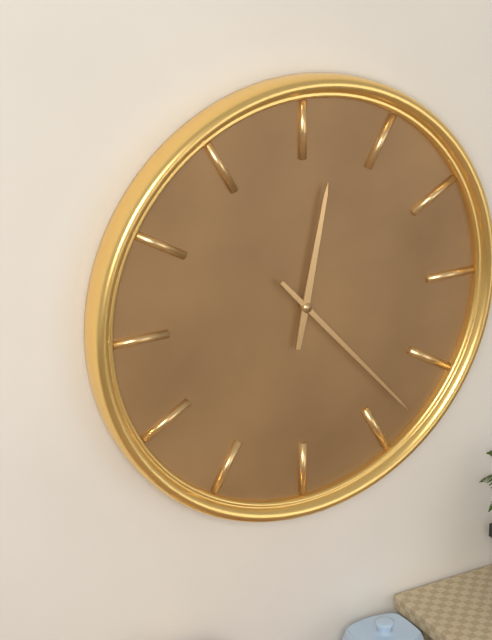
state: 12:23
